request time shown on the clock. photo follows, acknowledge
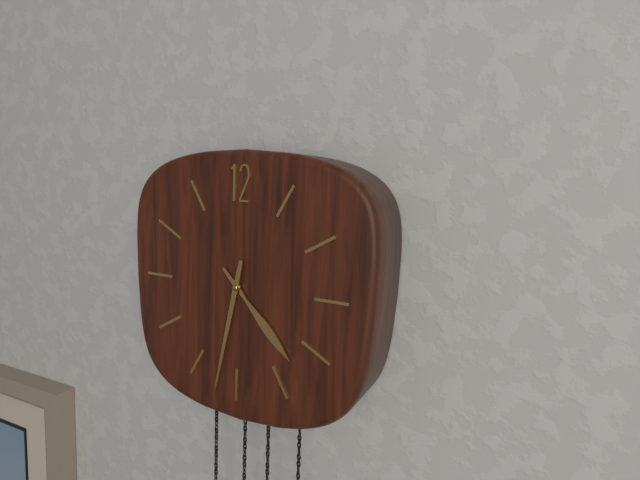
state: 4:32
